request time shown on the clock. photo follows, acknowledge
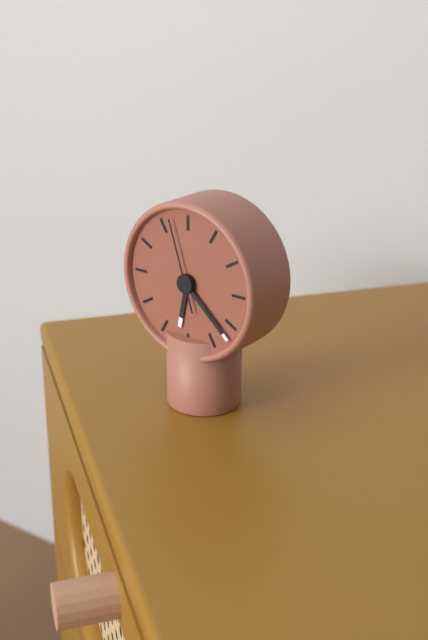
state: 6:22:57
